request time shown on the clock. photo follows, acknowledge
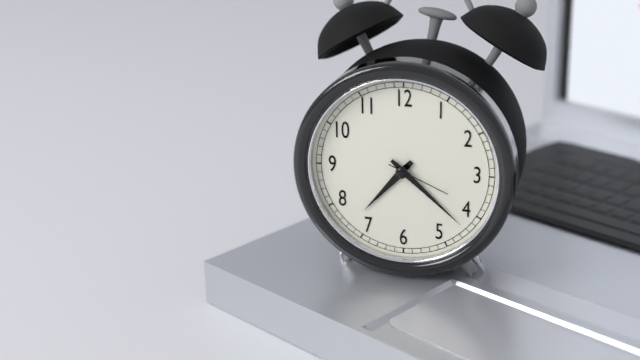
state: 7:22:19
